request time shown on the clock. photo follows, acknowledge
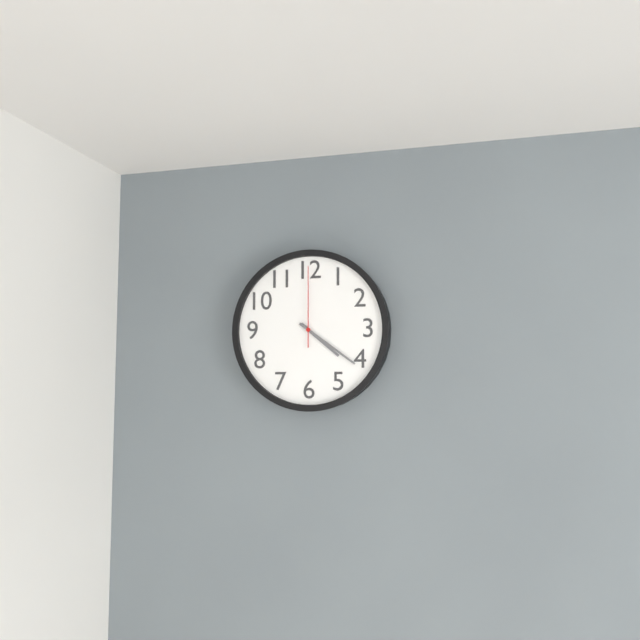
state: 4:21:00
